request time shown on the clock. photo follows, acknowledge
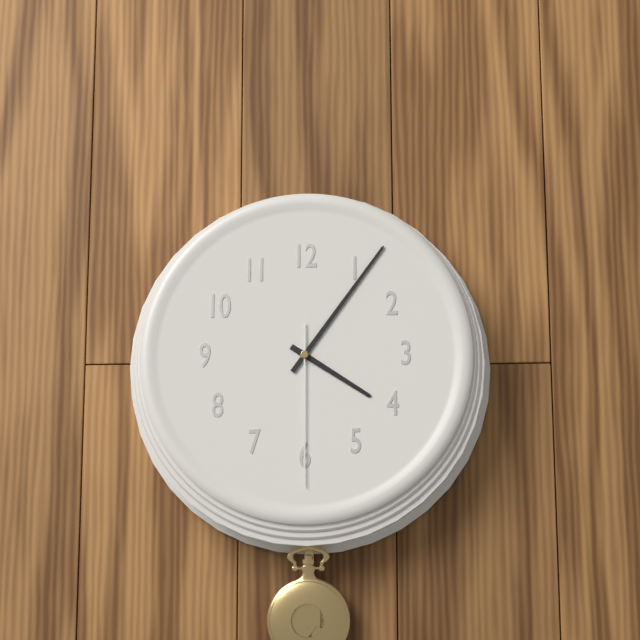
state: 4:06:30
